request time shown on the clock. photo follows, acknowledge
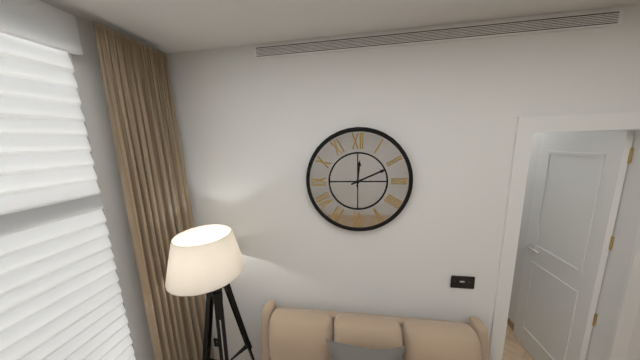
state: 12:11
